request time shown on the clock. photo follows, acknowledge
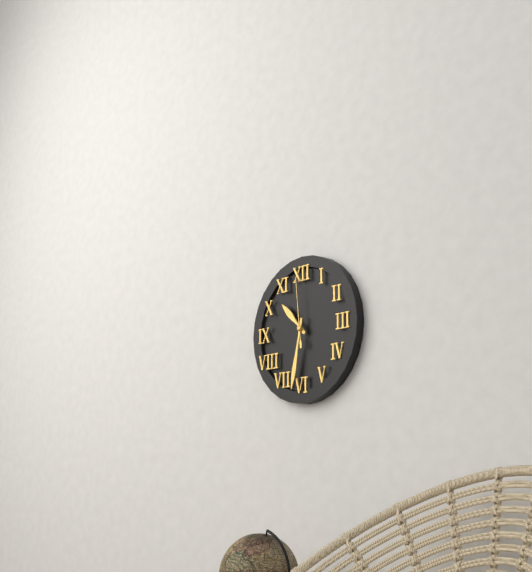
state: 10:32:59
